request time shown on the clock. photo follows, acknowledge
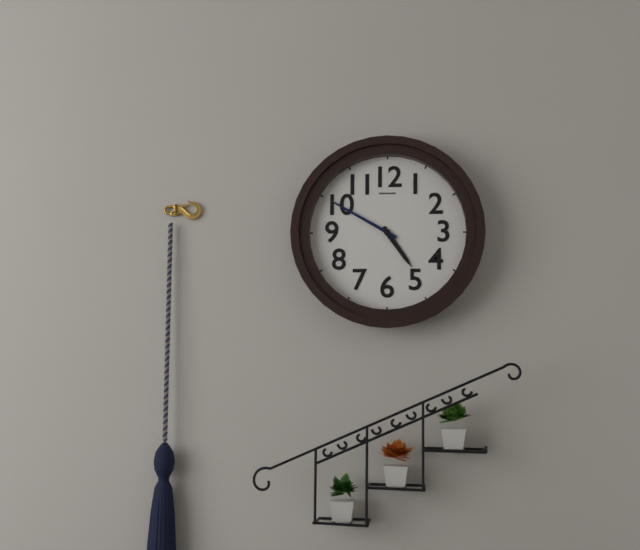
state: 4:50
